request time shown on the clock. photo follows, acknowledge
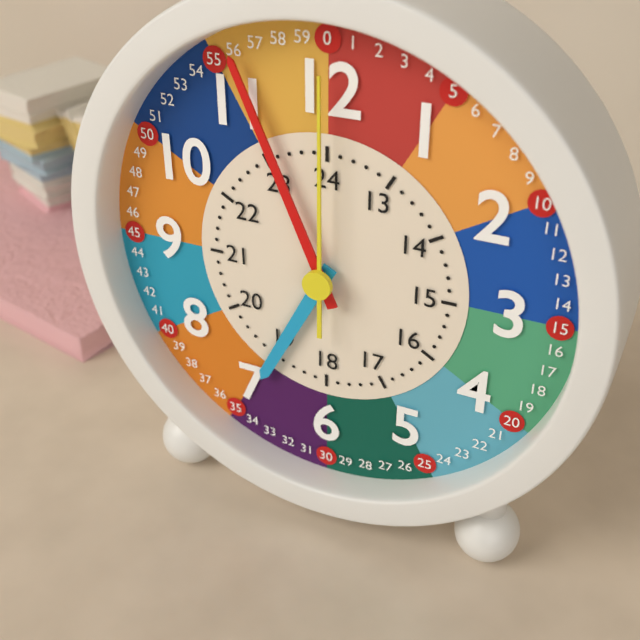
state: 6:56:00
